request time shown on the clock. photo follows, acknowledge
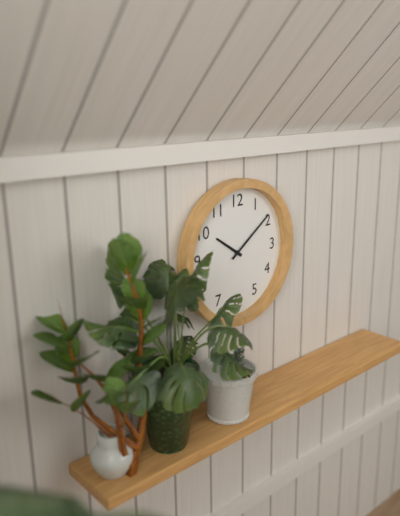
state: 10:09
